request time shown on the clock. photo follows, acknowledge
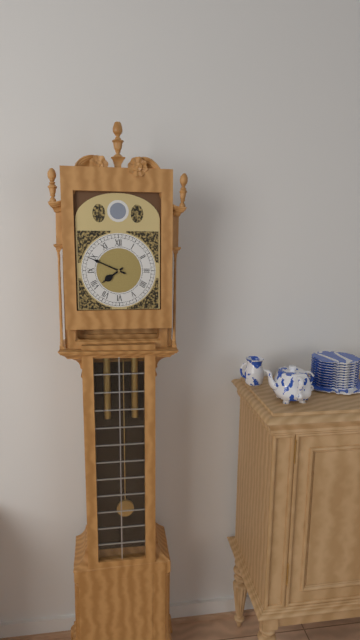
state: 7:49
